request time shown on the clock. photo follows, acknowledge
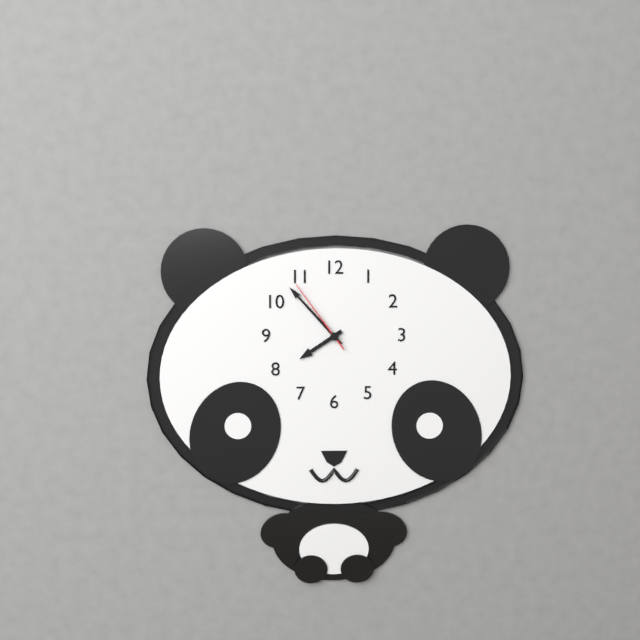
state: 7:53:54
